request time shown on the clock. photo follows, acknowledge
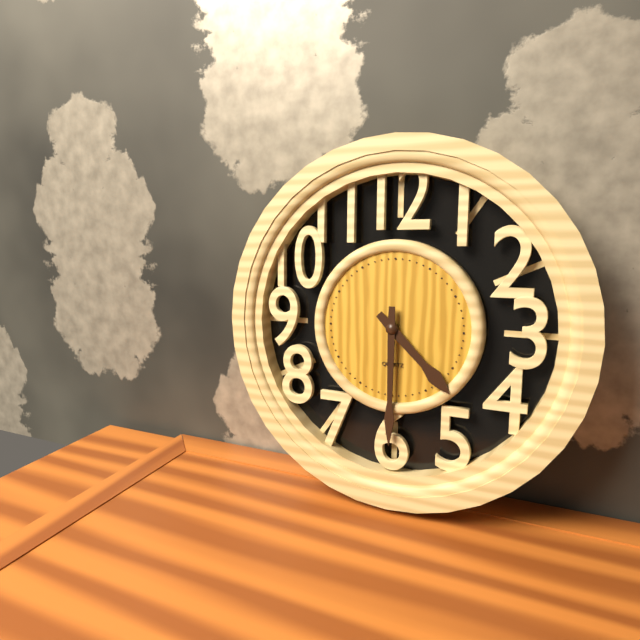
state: 4:30
